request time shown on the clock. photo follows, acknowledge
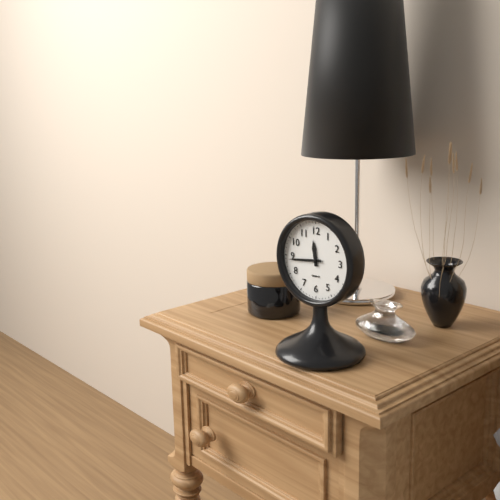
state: 11:44
